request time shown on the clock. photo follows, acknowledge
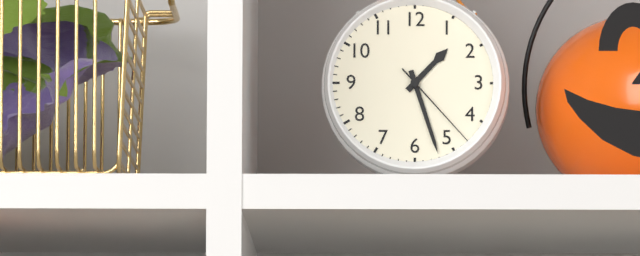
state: 1:27:23
